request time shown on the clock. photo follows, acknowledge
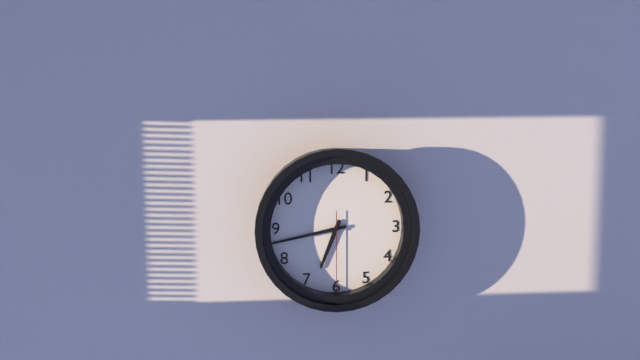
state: 6:43:30
